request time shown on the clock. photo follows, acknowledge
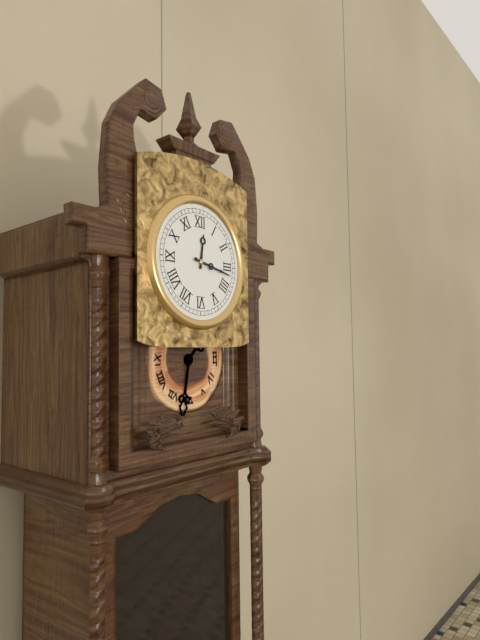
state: 12:17
